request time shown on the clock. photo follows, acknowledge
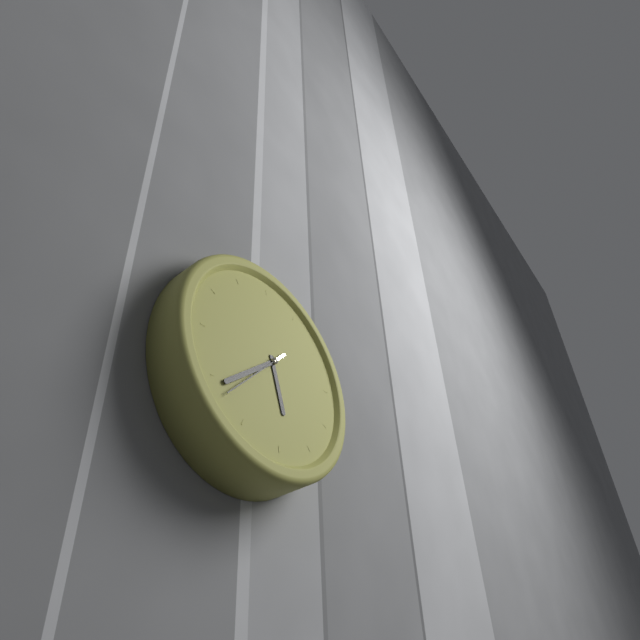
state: 5:39:38
